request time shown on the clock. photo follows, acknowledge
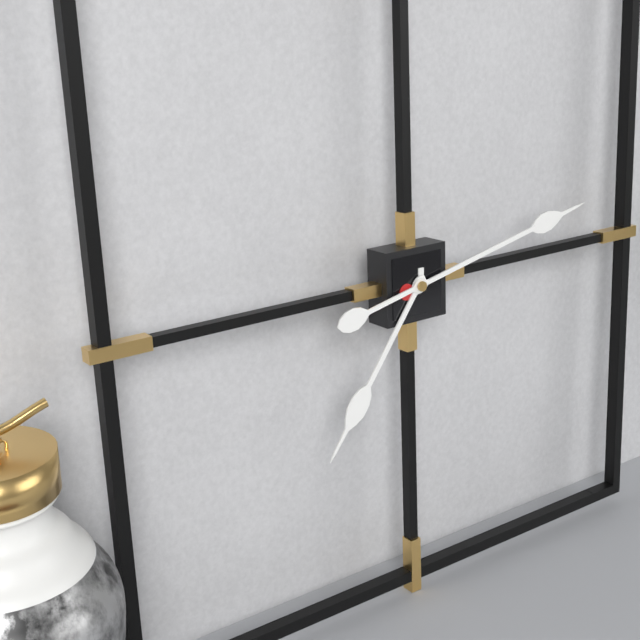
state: 7:13
